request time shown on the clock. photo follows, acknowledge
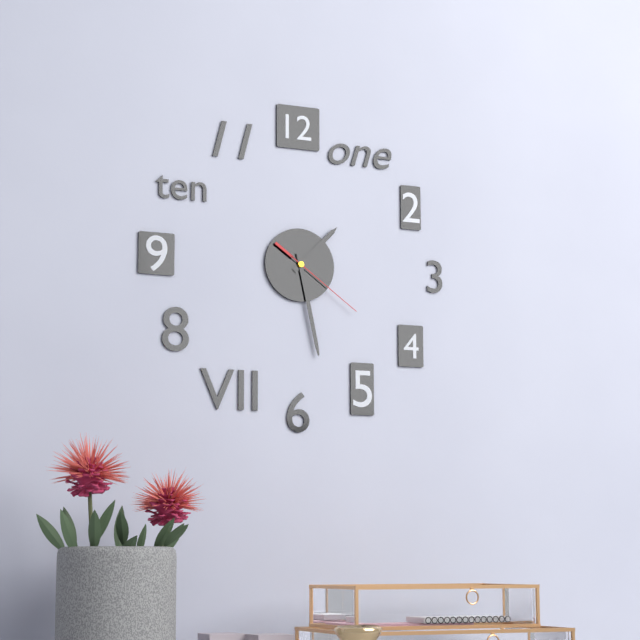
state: 1:28:21
